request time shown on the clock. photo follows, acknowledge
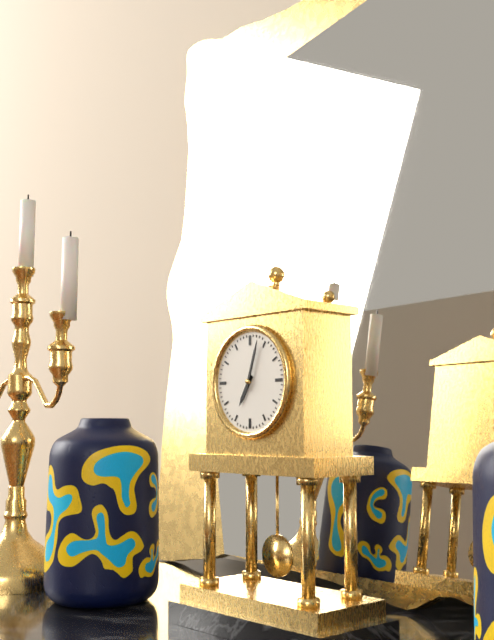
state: 7:03
